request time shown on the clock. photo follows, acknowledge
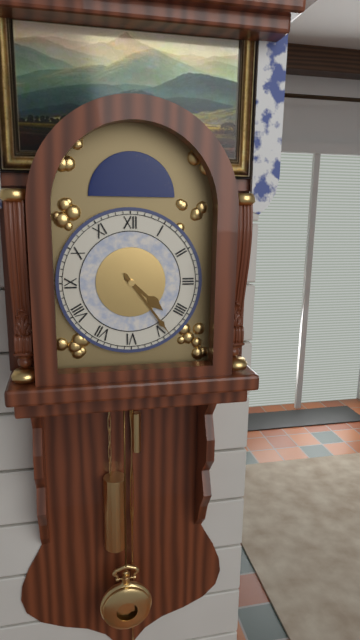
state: 4:24
